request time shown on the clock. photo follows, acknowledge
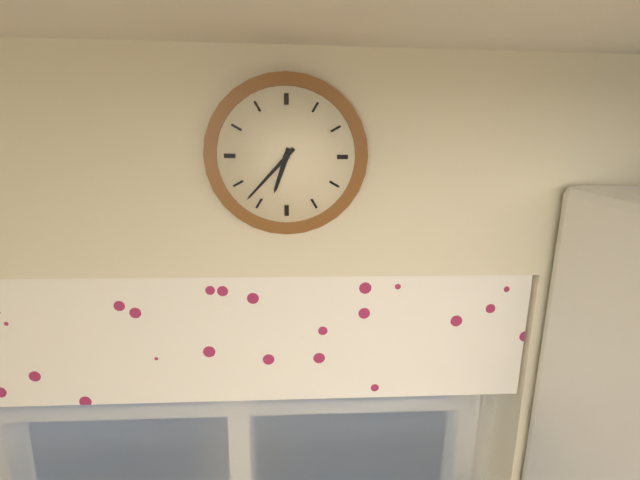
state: 6:37
